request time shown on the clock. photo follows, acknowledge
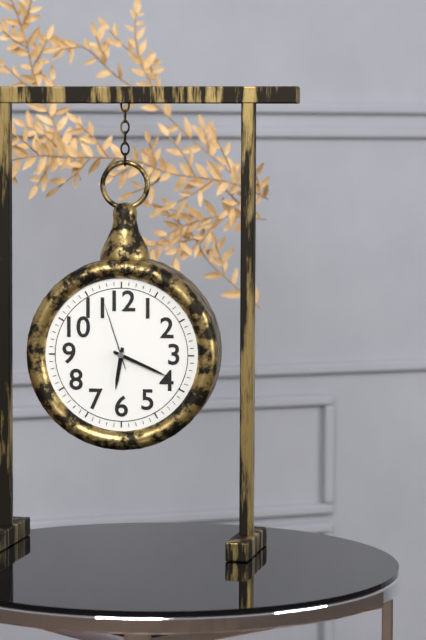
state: 6:19:57
